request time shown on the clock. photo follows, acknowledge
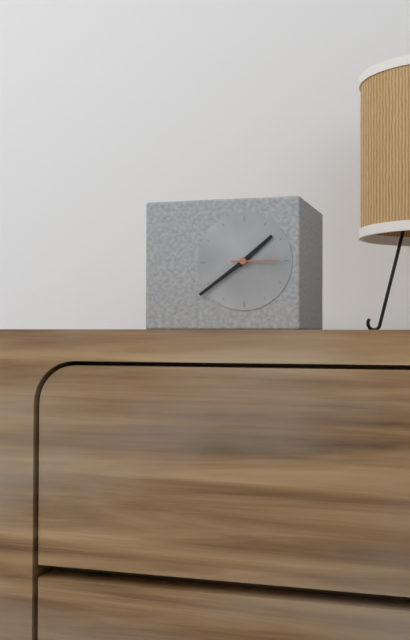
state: 1:39
